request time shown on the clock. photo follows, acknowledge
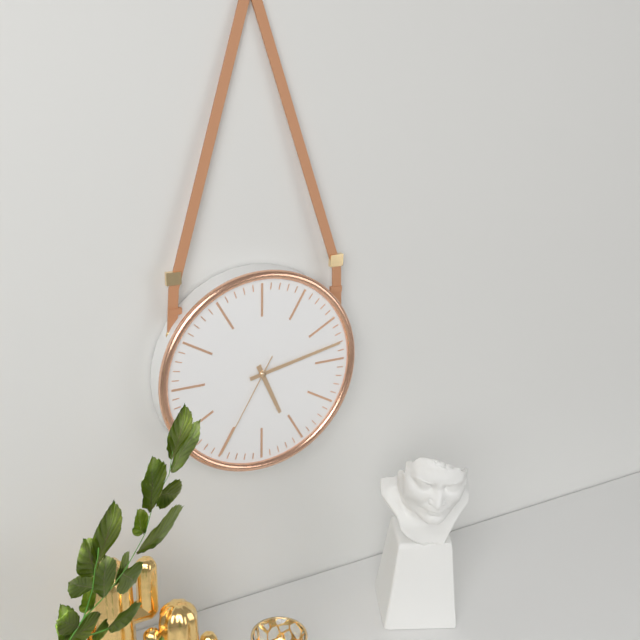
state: 5:13:35
